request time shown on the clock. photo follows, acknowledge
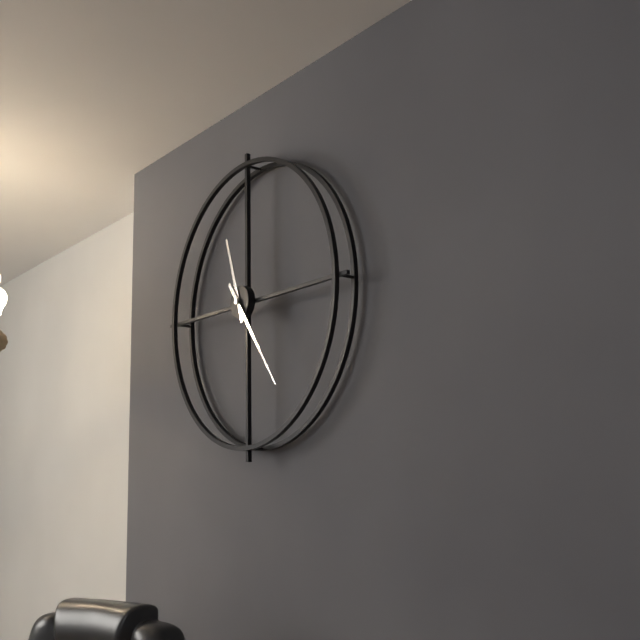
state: 11:24
